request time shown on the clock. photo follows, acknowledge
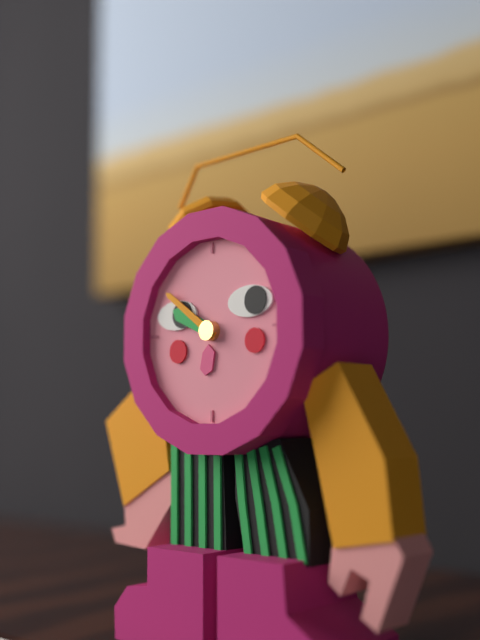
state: 9:51
